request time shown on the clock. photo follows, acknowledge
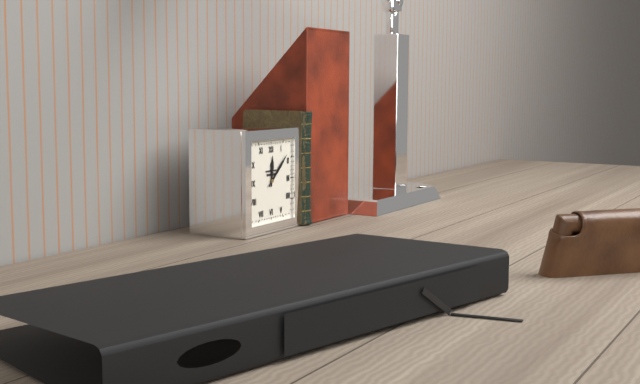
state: 12:08
